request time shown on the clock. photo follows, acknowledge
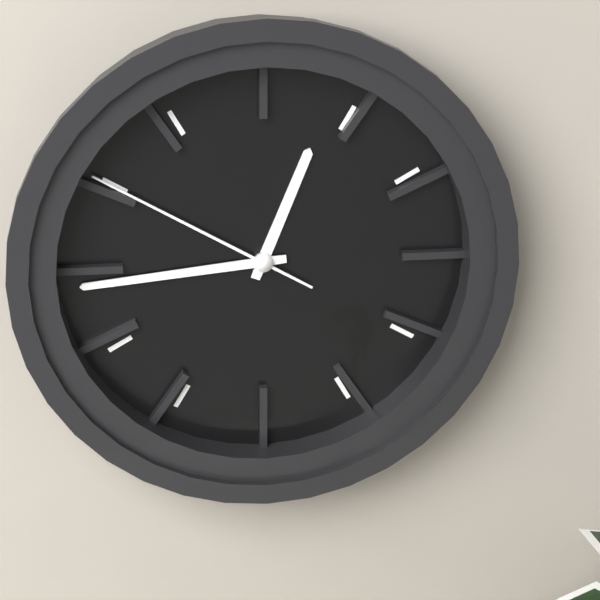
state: 12:44:50
